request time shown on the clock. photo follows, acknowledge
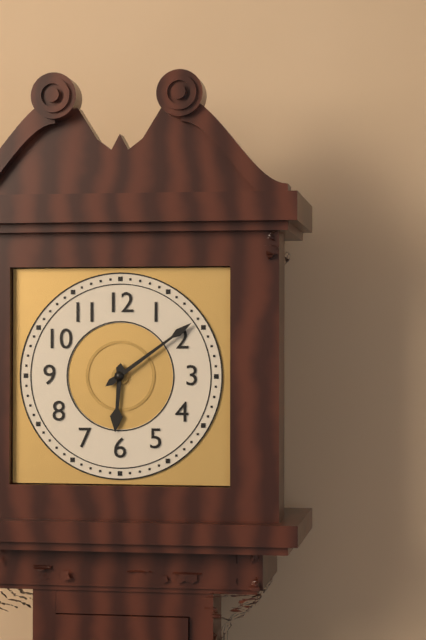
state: 6:09
